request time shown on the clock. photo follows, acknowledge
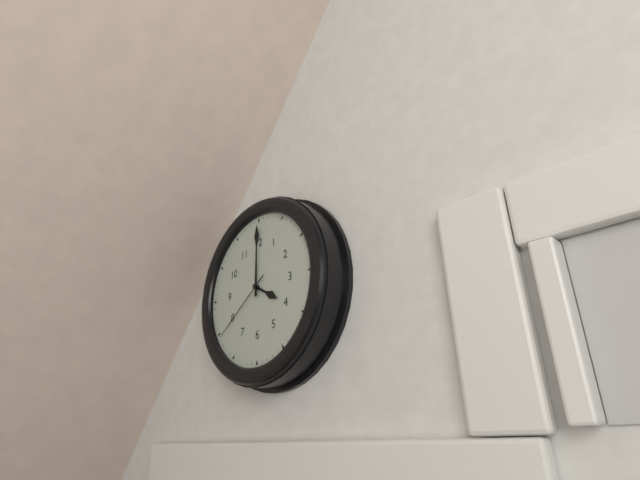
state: 4:00:39
